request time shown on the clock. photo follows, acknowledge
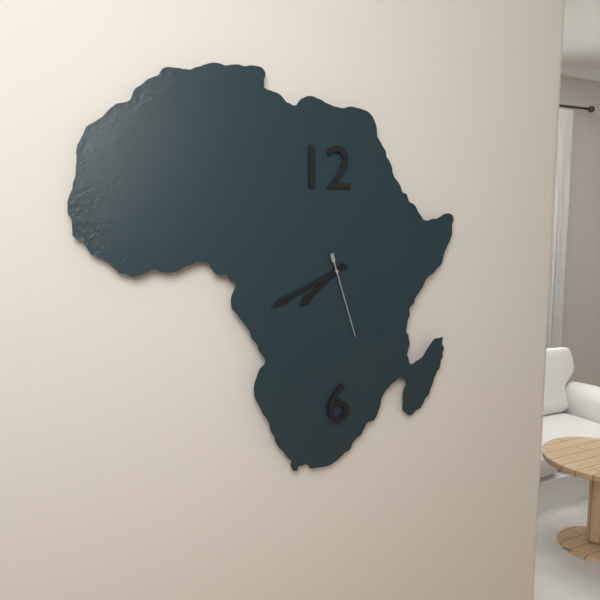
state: 7:41:27
